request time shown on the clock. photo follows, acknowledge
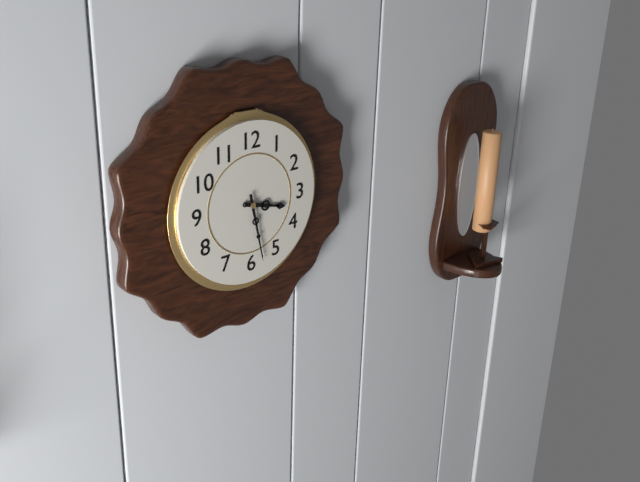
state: 3:28
